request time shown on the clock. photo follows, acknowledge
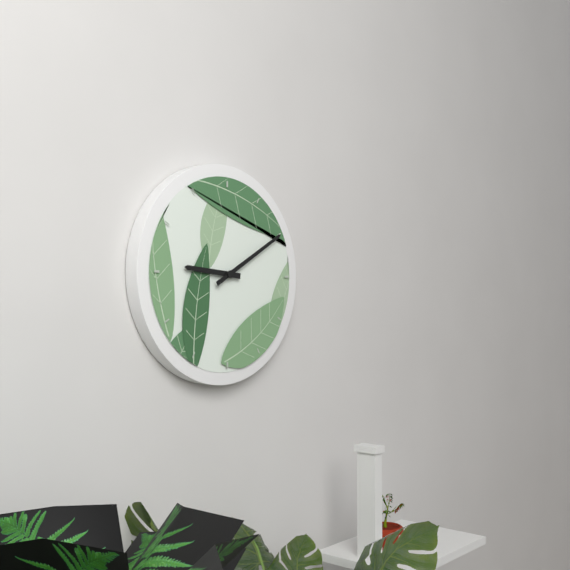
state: 9:10
